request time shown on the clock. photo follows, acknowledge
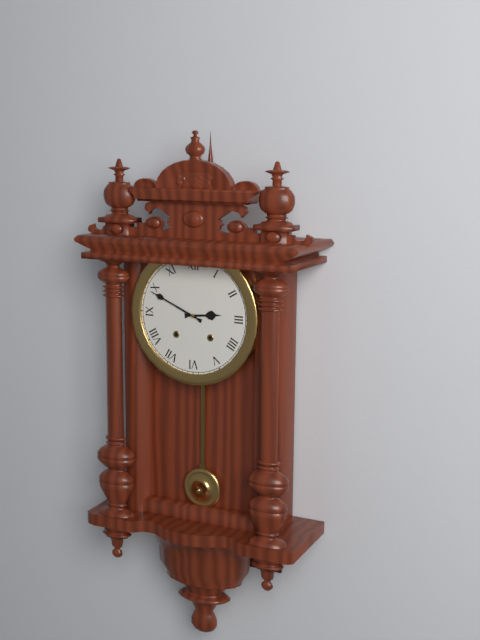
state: 2:49
